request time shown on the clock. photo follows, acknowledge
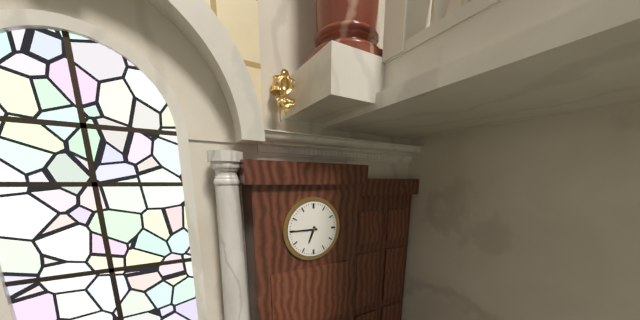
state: 6:45
